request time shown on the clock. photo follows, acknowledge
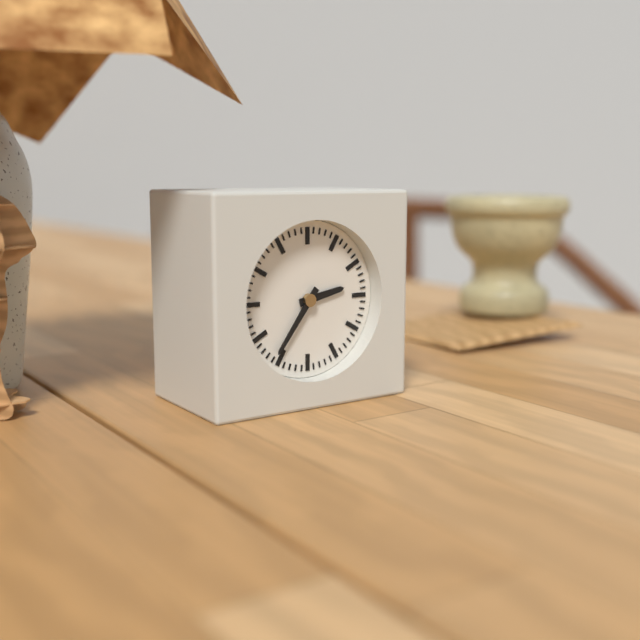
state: 2:36
